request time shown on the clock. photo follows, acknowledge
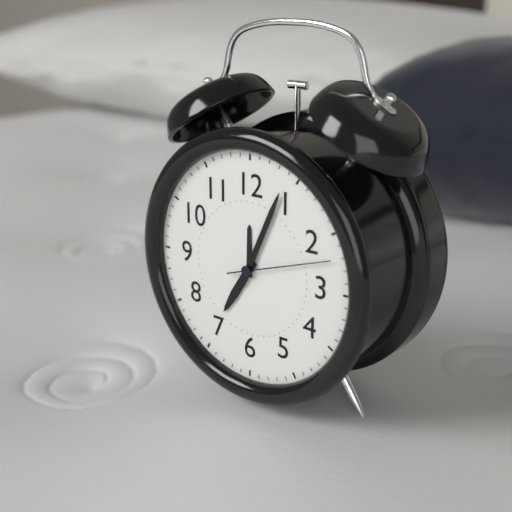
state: 7:04:12
